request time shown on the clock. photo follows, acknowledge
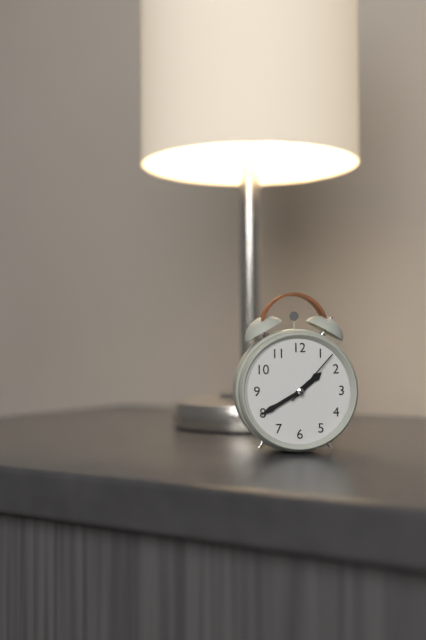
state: 1:40:07
